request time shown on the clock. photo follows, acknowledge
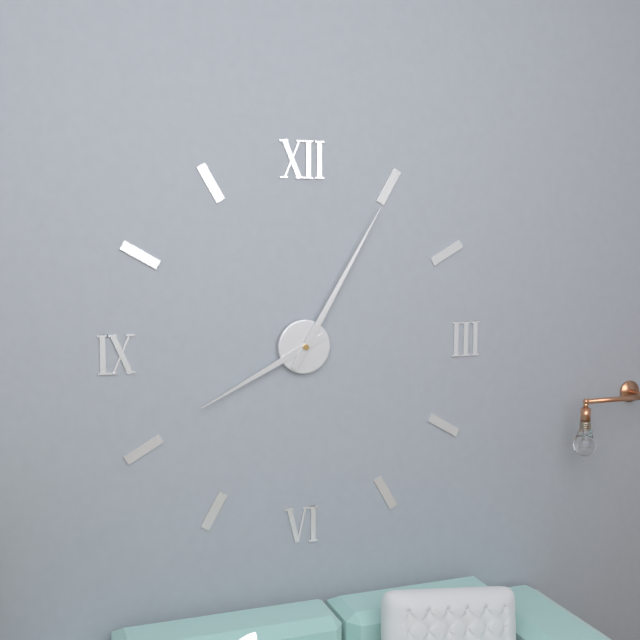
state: 8:05
